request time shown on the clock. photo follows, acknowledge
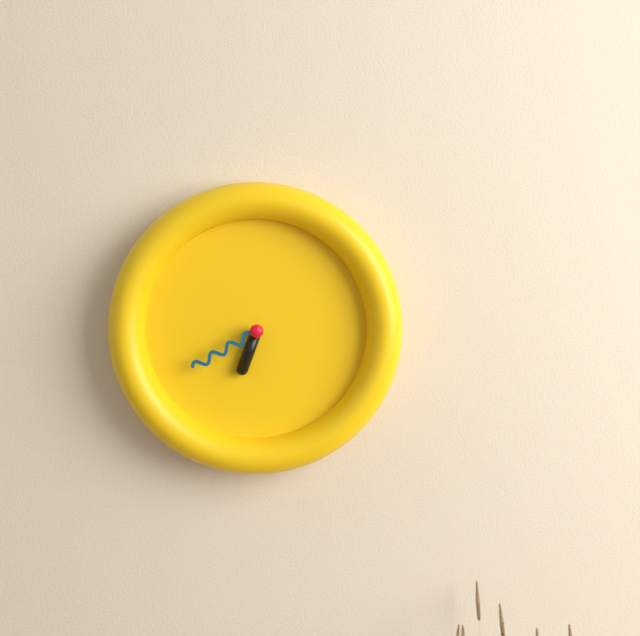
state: 6:40
